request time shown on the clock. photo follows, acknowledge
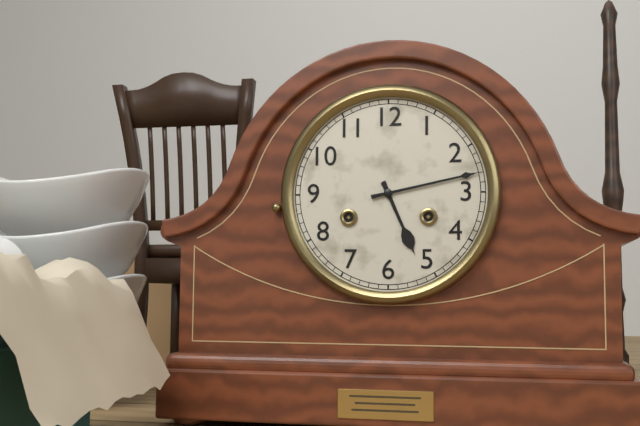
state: 5:13
